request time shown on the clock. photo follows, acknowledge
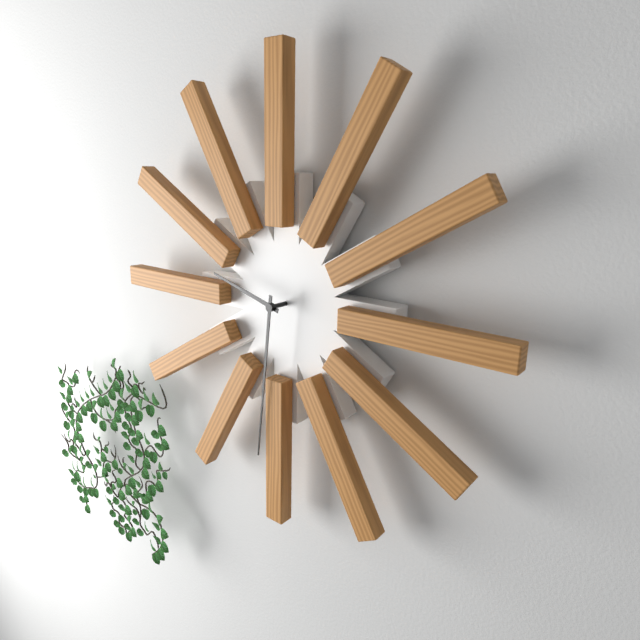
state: 9:31
